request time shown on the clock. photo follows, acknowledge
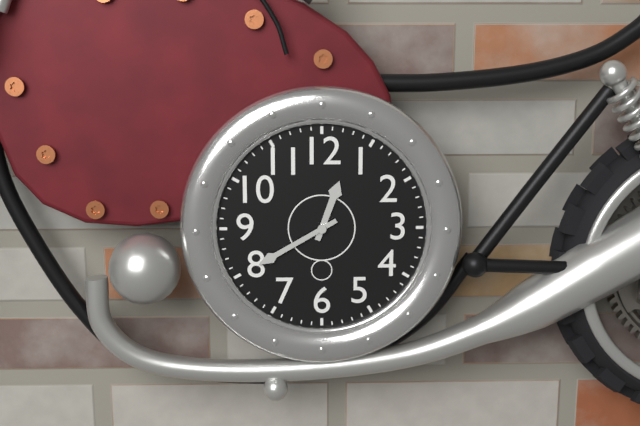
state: 12:40
